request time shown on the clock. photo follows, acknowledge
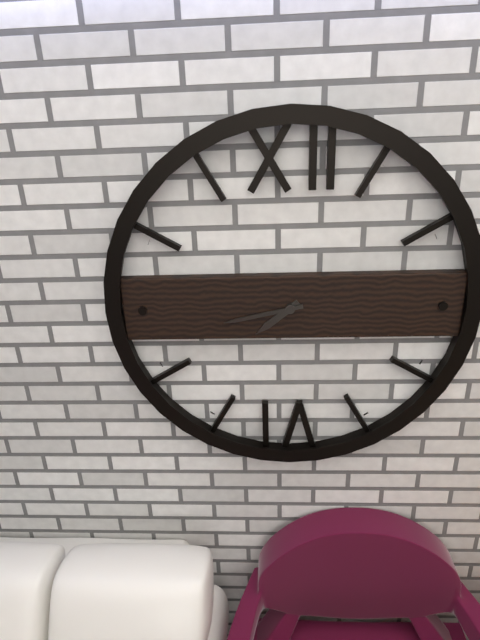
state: 7:43
